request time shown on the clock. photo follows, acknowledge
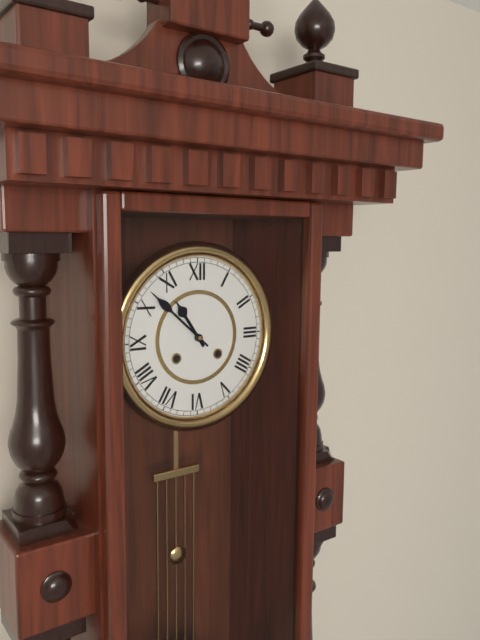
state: 10:52
